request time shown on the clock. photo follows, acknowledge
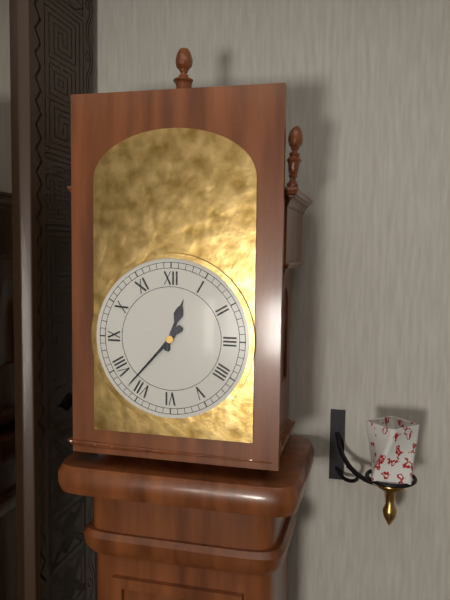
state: 12:37
